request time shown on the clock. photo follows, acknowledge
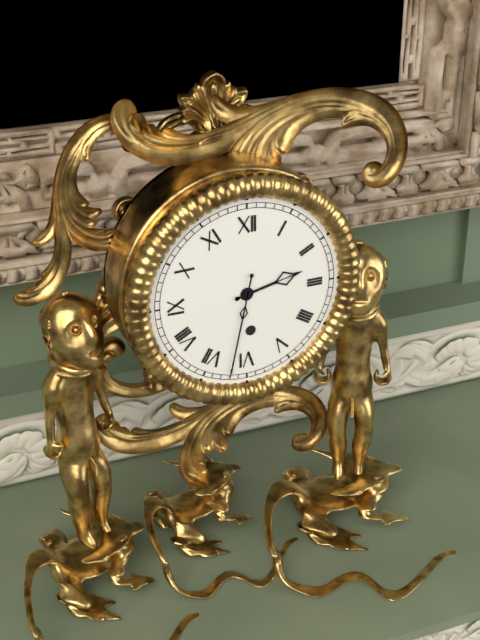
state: 2:32
